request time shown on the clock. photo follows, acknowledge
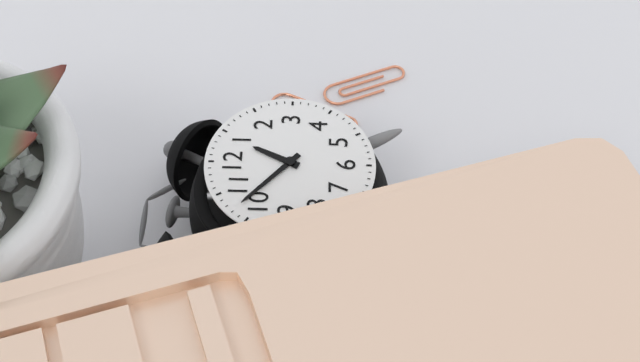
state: 12:52
